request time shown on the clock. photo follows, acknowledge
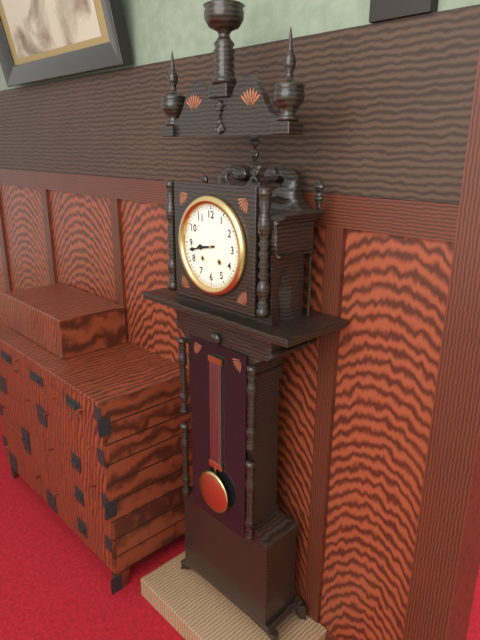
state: 8:43
